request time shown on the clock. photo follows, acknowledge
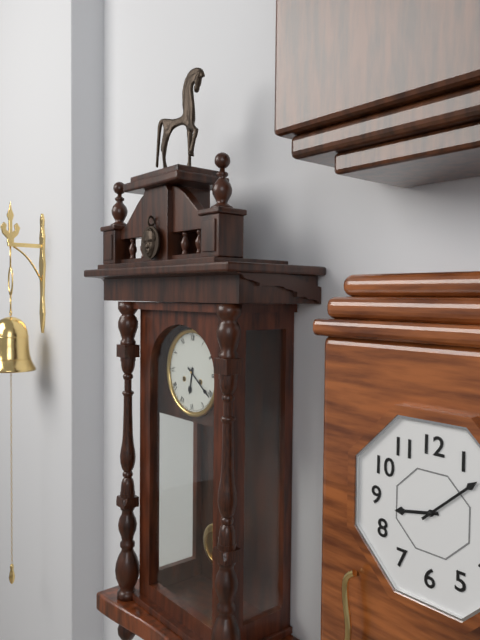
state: 6:21
